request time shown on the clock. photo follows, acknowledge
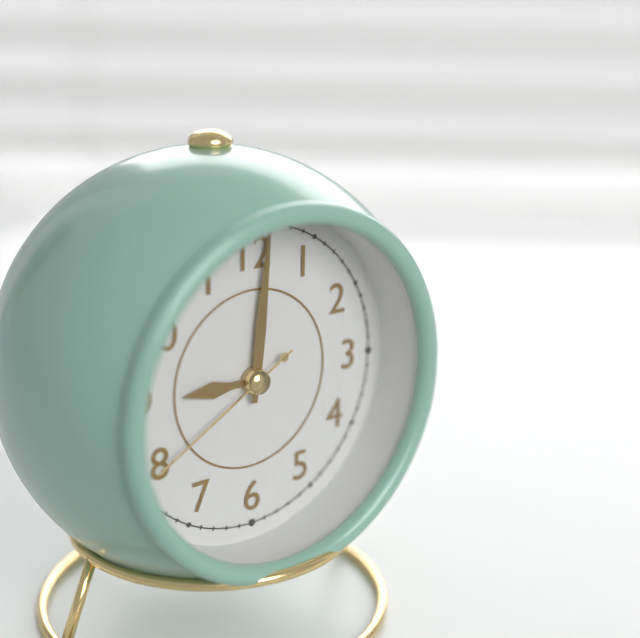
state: 9:01:40
